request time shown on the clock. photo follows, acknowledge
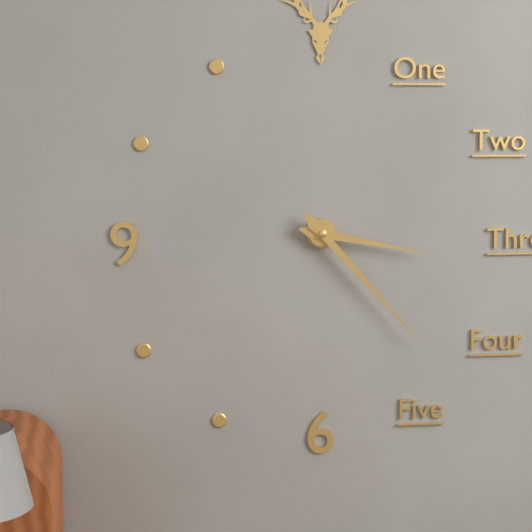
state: 3:23
